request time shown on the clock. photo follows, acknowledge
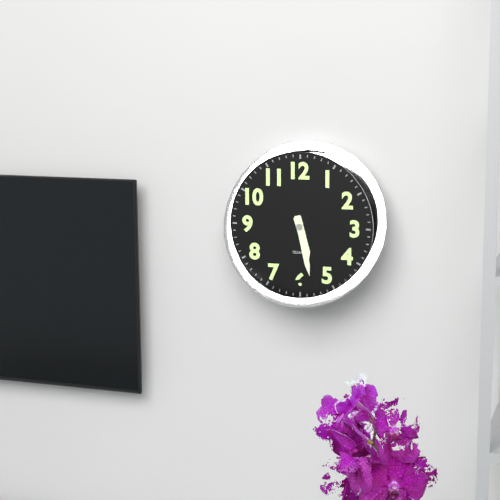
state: 5:28
